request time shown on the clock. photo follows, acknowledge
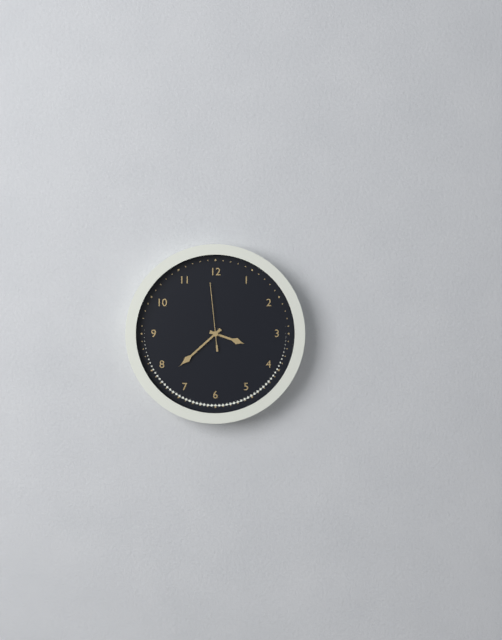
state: 3:38:59
